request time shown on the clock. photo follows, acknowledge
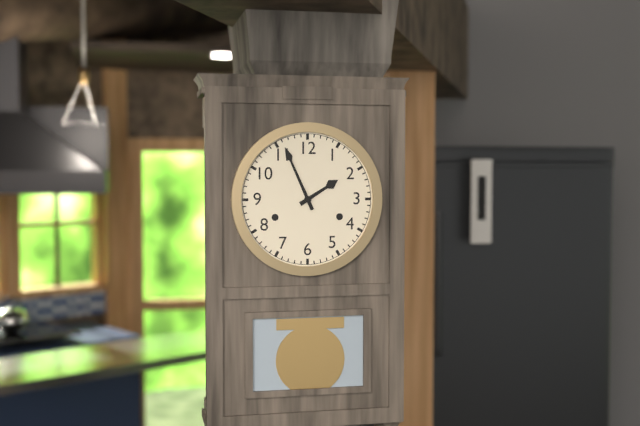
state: 1:56
